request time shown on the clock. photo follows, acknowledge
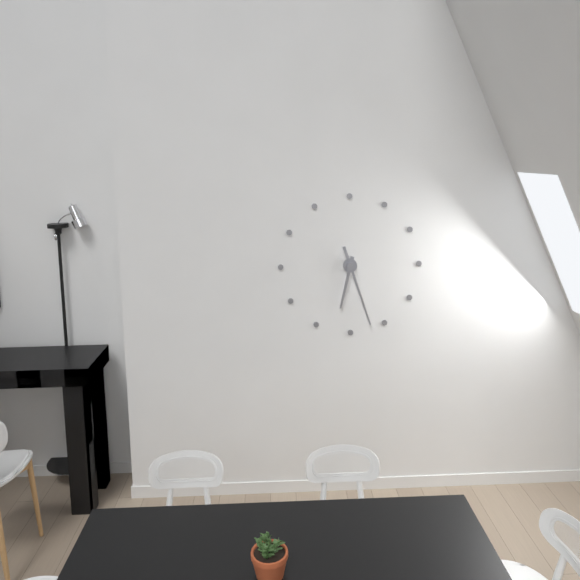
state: 6:27
